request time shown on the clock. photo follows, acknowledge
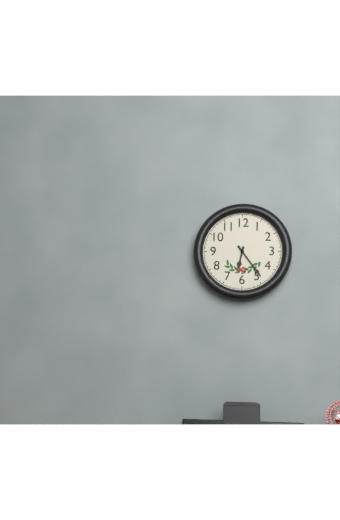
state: 6:24
